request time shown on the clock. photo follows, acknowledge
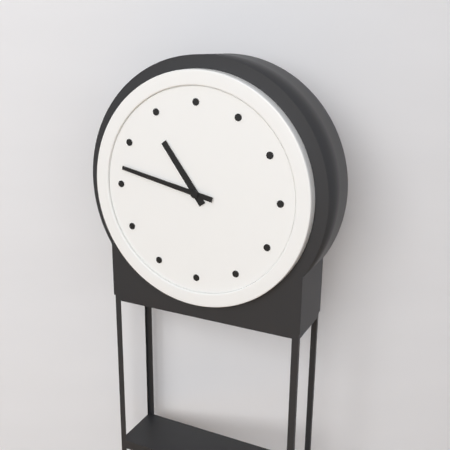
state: 10:47
